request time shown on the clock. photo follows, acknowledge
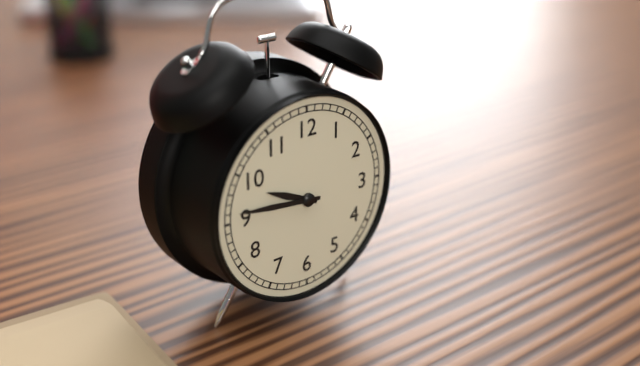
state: 9:46
